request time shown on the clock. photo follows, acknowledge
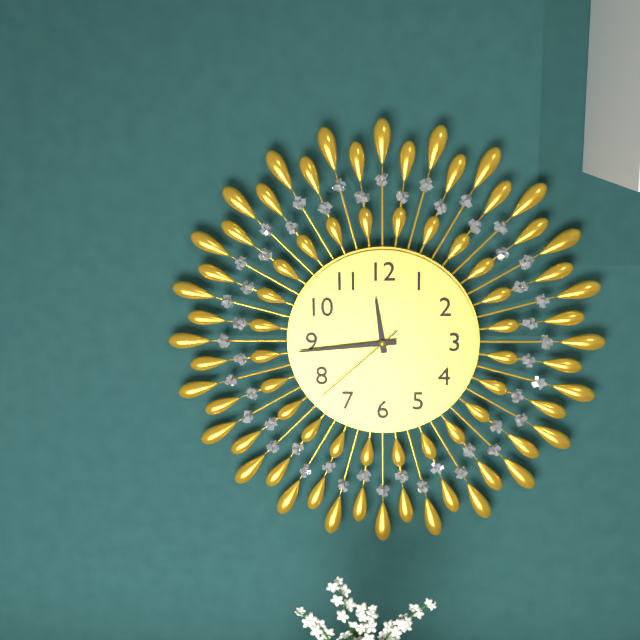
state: 11:44:38
